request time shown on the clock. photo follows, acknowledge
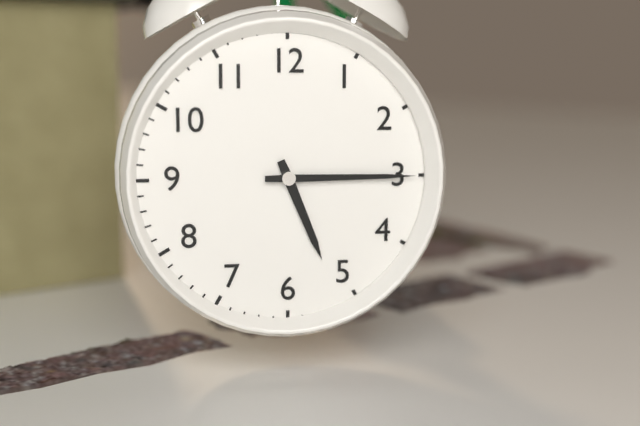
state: 5:15
